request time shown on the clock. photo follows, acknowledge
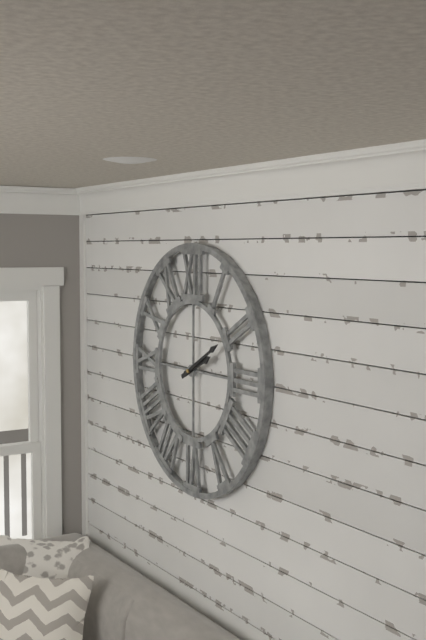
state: 2:10
